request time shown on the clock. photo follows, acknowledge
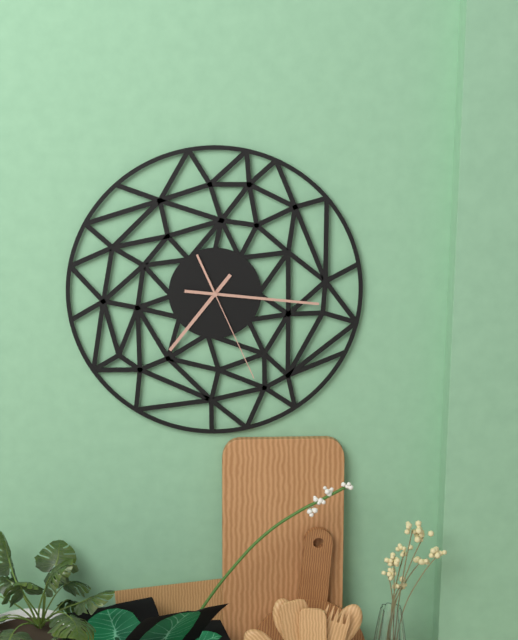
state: 7:16:26
